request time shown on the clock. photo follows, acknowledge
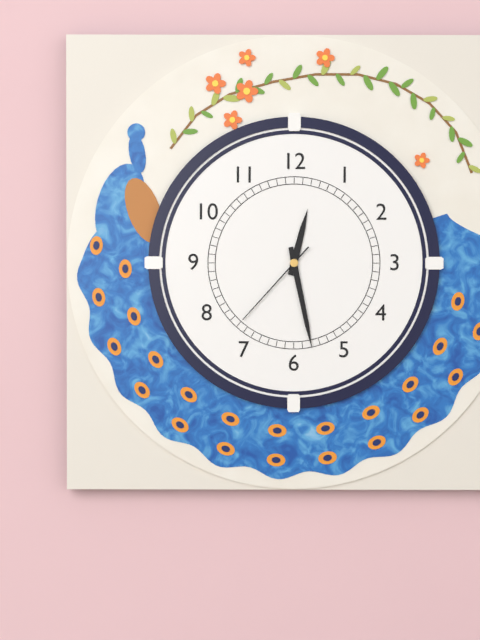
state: 12:28:37
